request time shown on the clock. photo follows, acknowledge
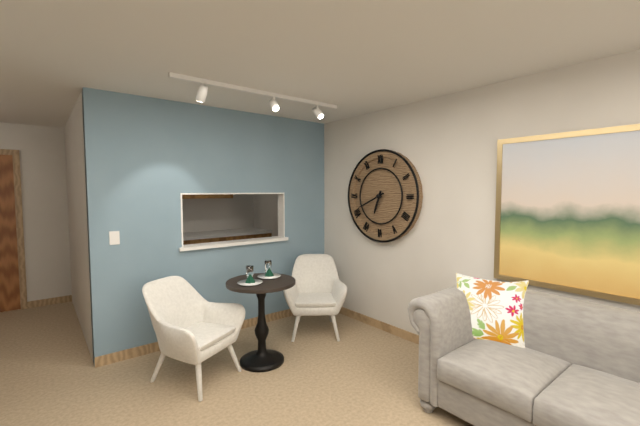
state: 6:41
